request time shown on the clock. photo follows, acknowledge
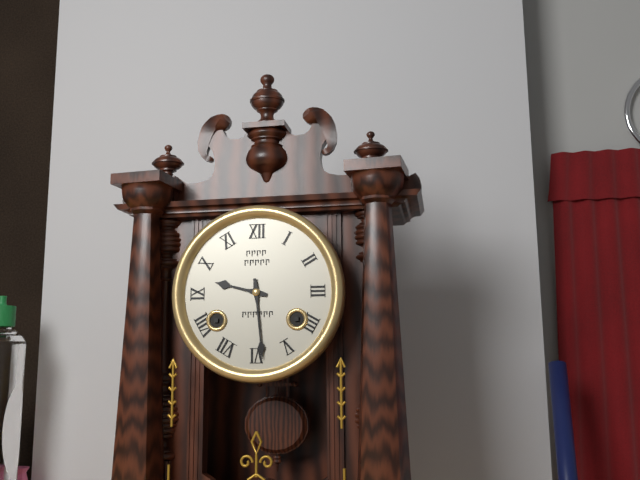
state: 9:29
